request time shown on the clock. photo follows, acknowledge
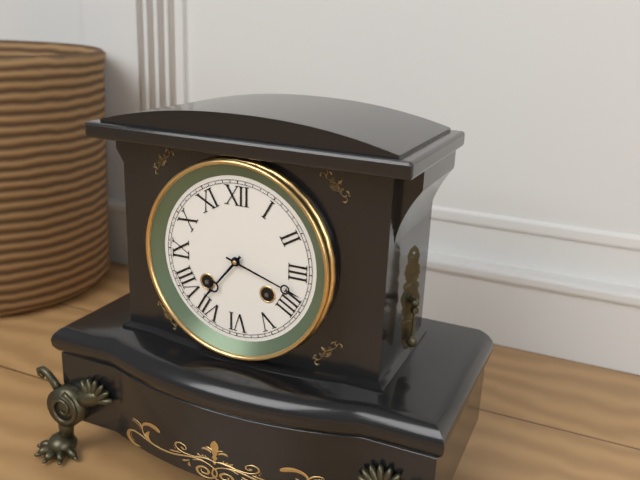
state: 7:18
